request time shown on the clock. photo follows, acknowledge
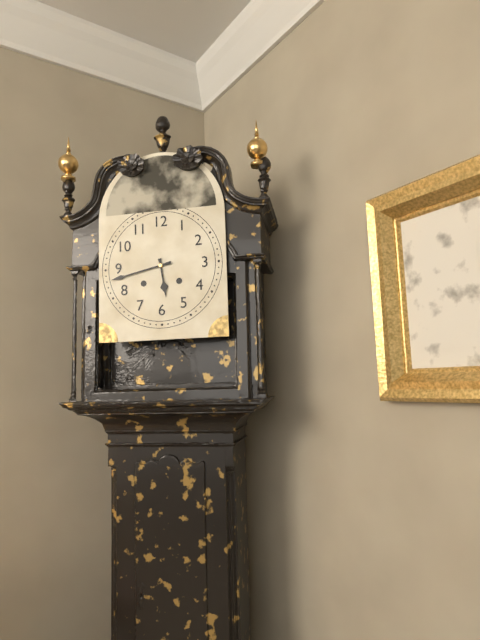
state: 5:43
